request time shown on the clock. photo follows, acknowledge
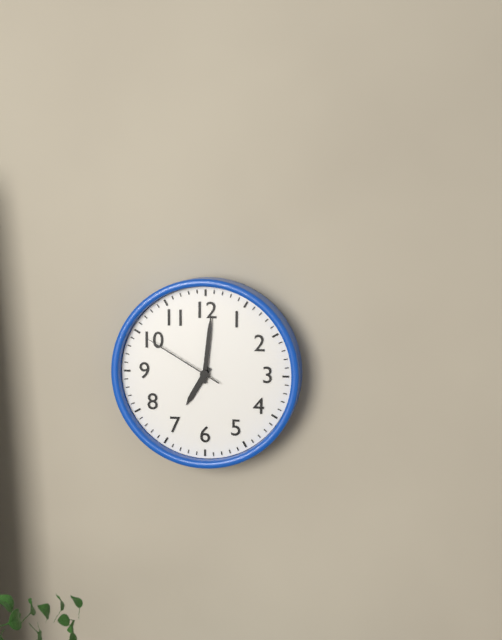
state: 7:01:50
